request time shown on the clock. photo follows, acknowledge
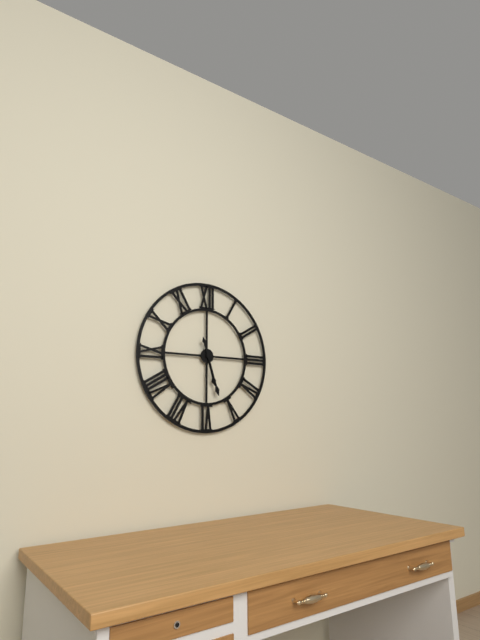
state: 5:27
